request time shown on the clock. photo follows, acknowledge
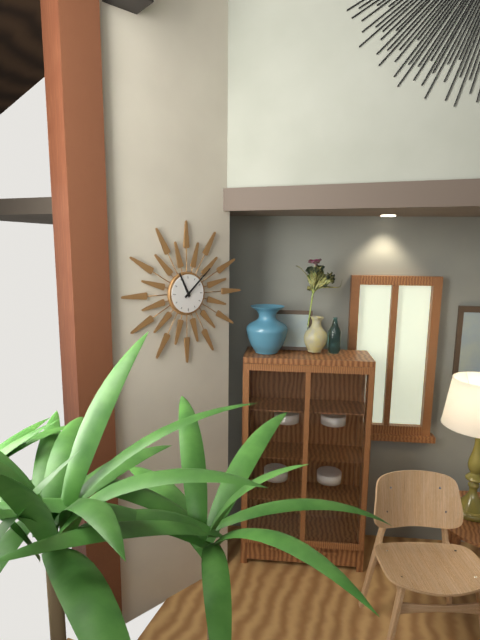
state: 11:08
